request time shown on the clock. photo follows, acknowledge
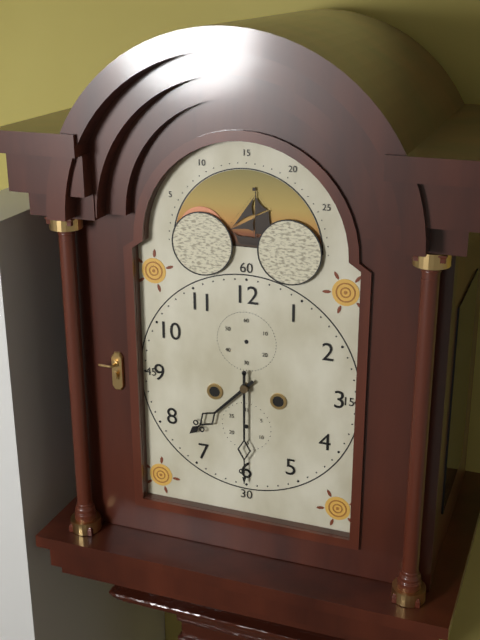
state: 7:30
